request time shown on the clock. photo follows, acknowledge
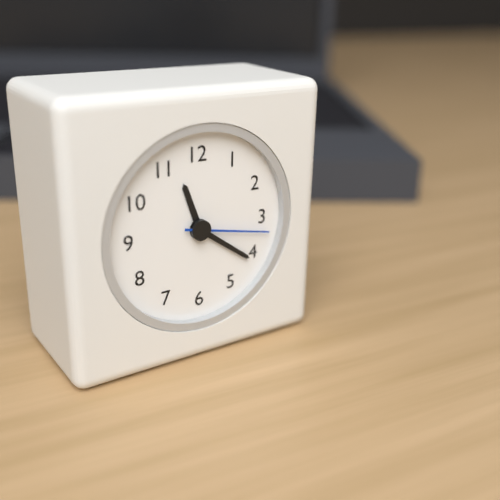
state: 11:21:17
